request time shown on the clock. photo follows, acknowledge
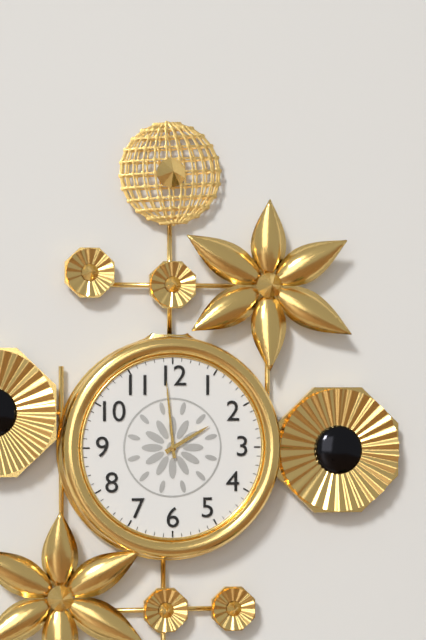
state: 1:59
